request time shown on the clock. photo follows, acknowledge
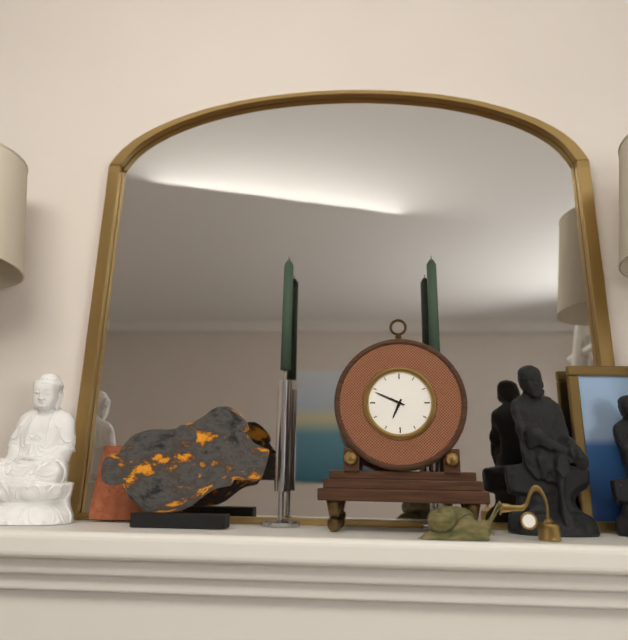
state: 6:49
